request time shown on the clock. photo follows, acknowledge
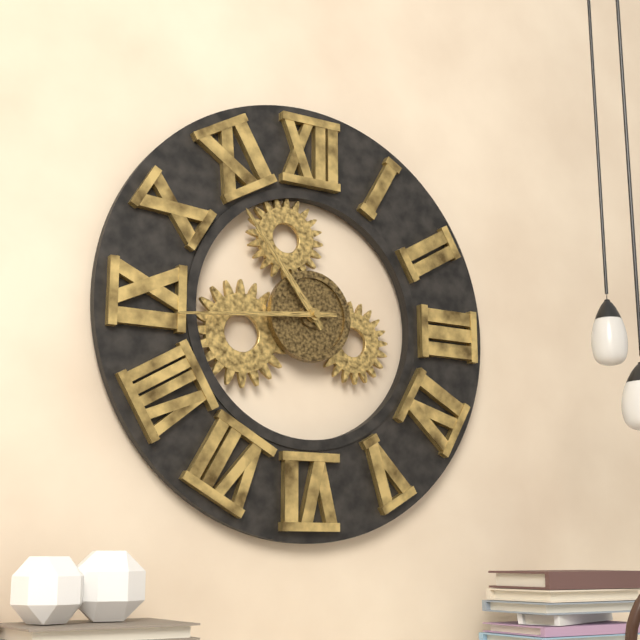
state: 10:44
